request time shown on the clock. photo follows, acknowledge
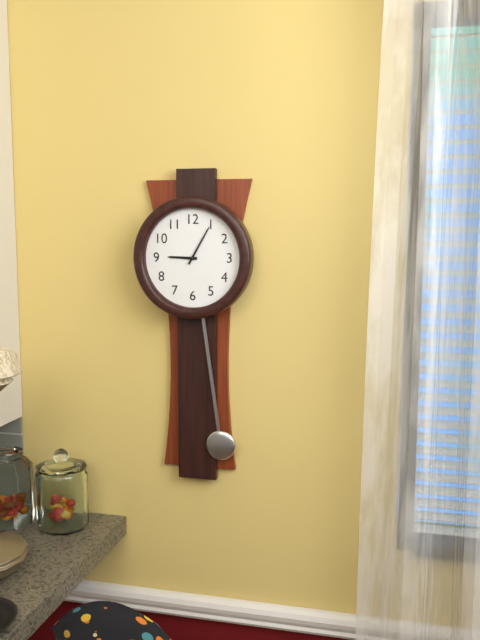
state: 9:05
